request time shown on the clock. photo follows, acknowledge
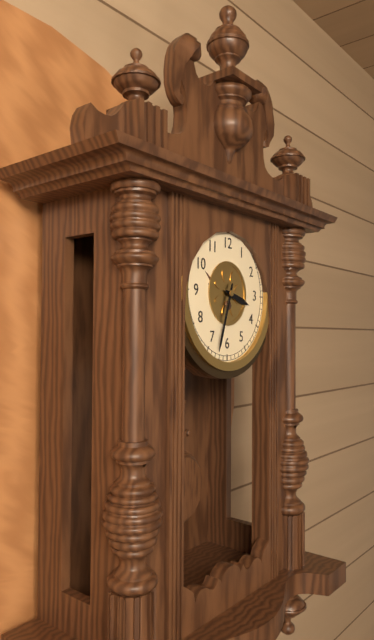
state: 3:33
